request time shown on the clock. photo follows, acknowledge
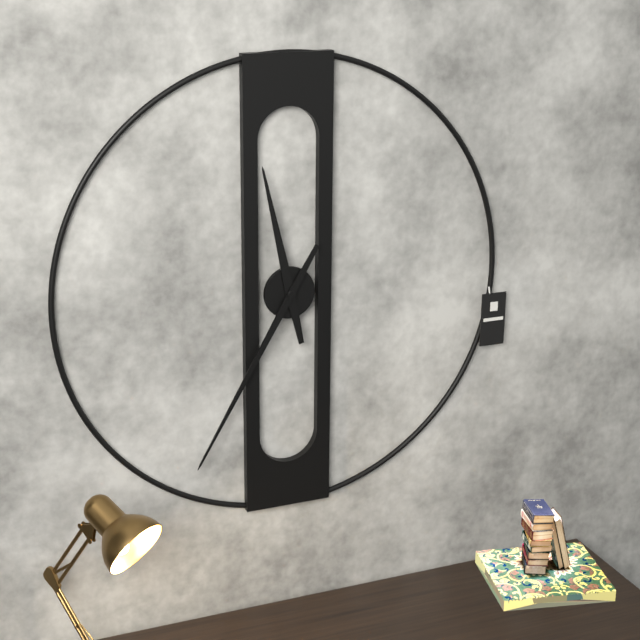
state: 11:35
